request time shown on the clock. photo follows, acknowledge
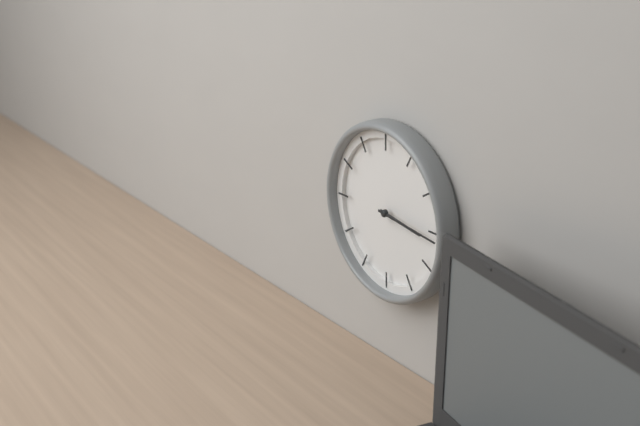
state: 3:16
